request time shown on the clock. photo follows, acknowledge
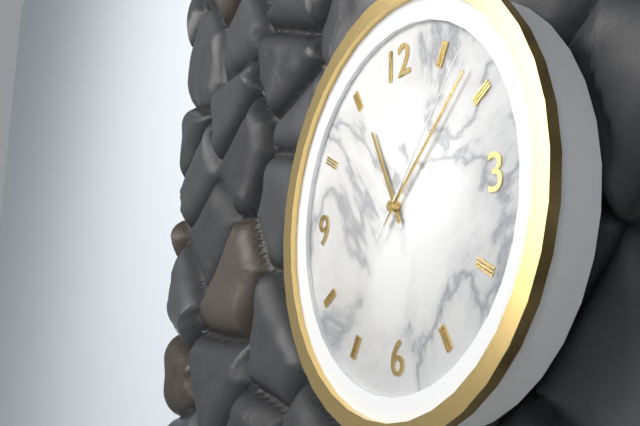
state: 11:08:07
